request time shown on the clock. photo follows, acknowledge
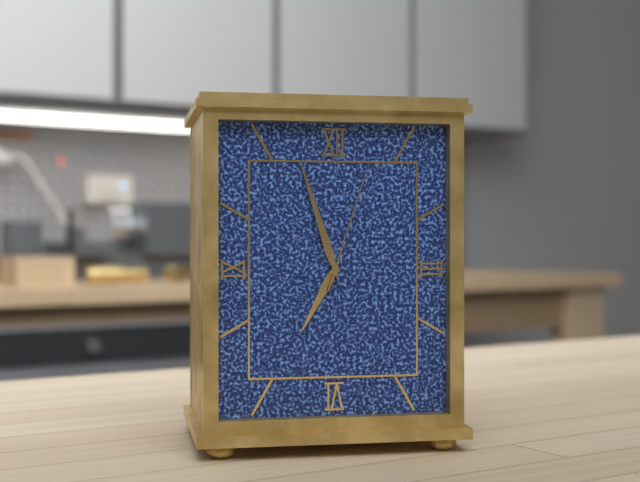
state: 6:57:03
